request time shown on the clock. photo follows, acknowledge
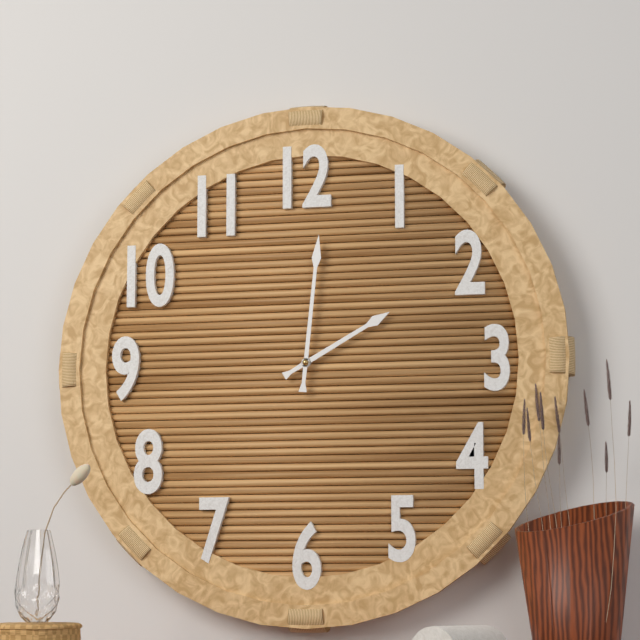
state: 2:01
